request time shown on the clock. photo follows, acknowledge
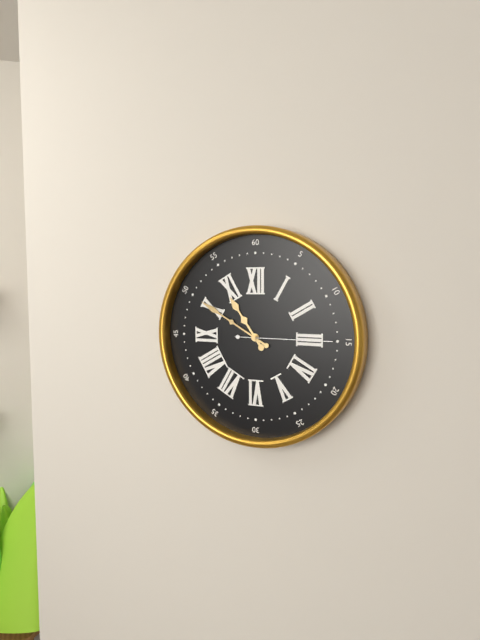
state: 10:50:15
